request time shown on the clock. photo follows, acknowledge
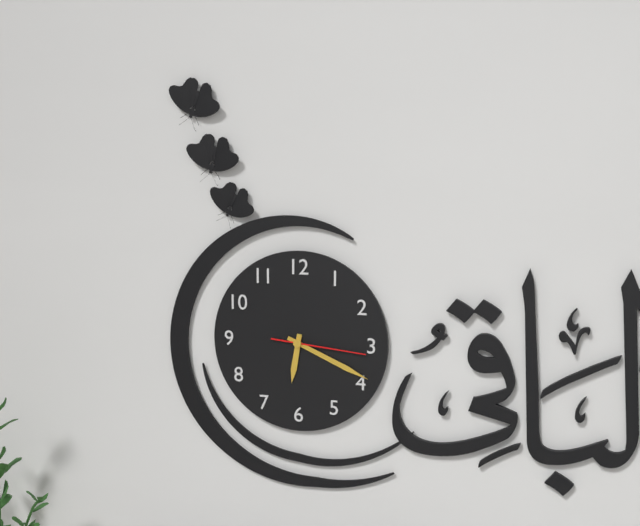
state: 6:19:16
